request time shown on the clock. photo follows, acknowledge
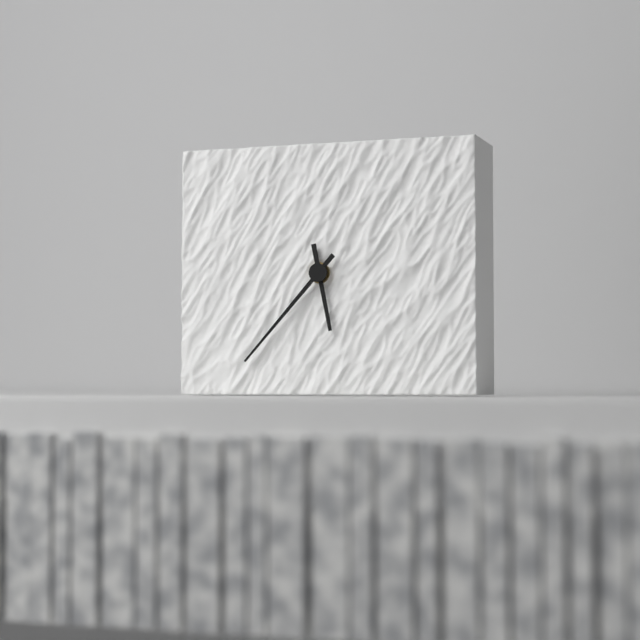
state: 5:37
